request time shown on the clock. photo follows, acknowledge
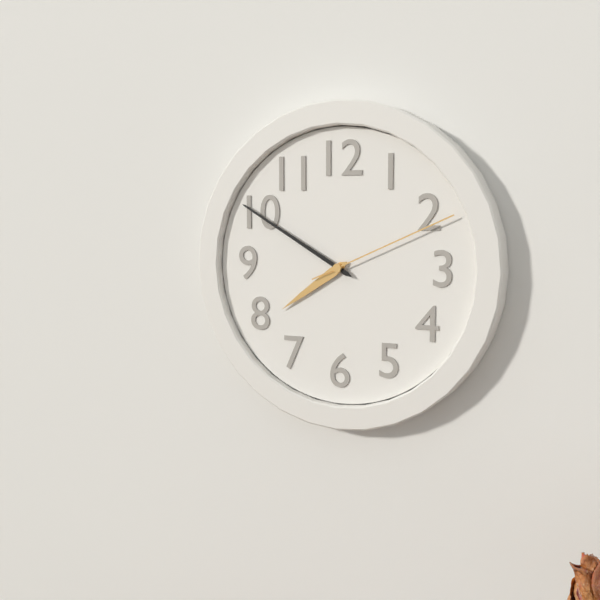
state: 7:50:11
